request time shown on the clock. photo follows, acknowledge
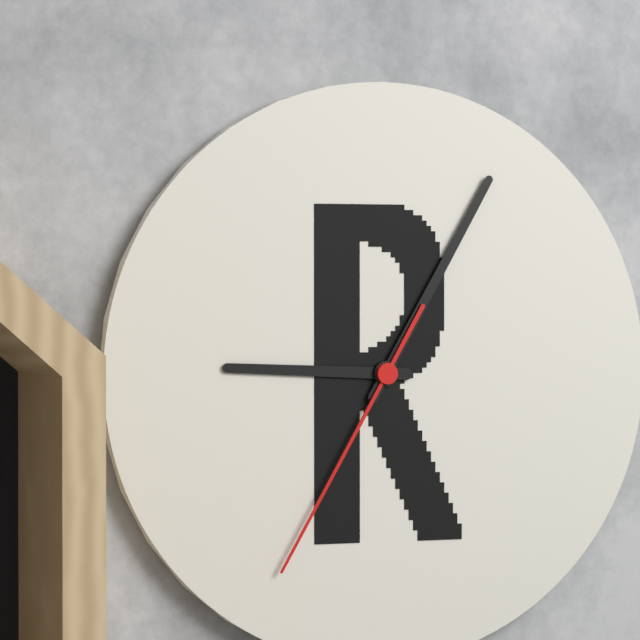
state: 9:05:35
